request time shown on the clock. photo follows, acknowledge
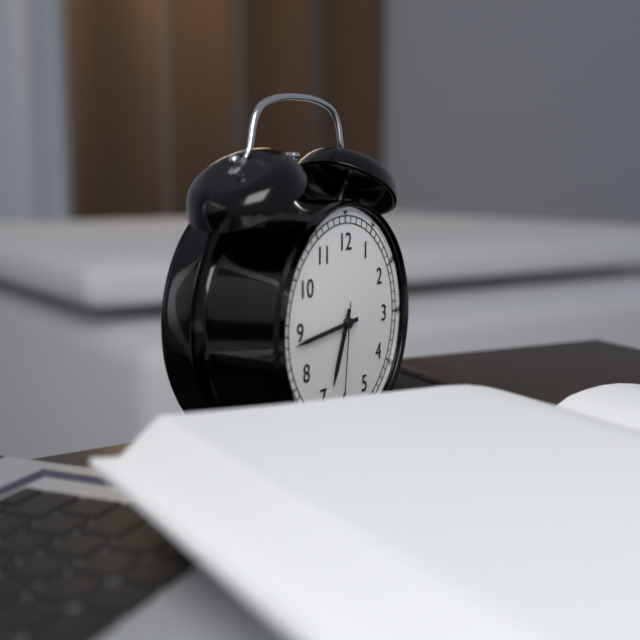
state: 6:44:31
